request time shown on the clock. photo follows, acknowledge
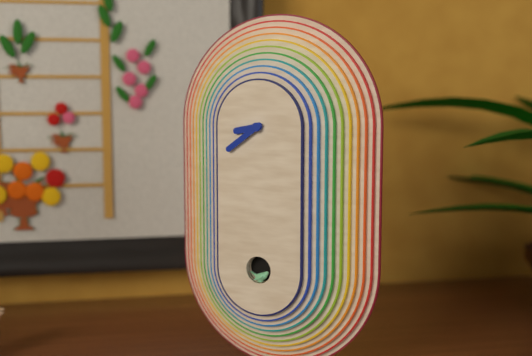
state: 8:39
